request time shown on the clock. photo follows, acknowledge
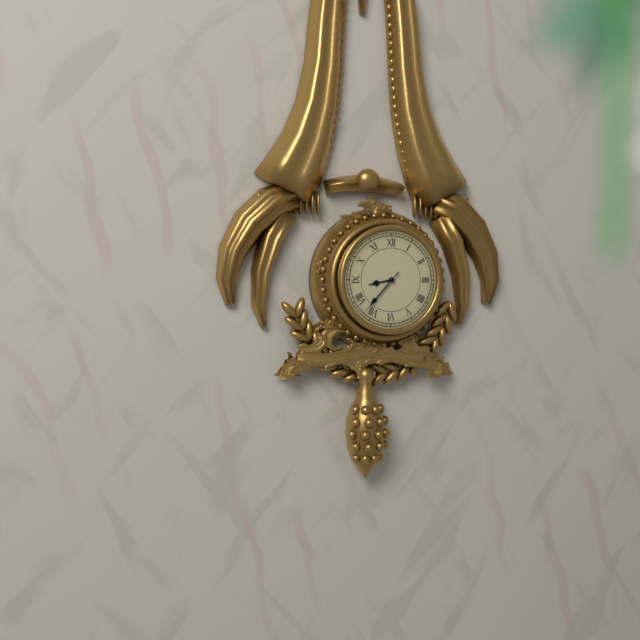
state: 8:37:37
